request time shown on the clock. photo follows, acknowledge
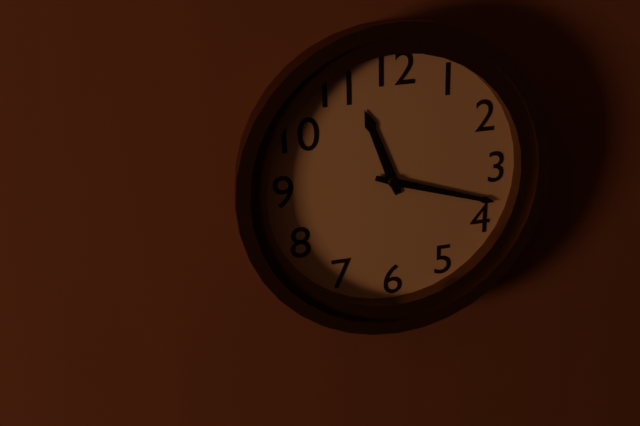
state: 11:18
